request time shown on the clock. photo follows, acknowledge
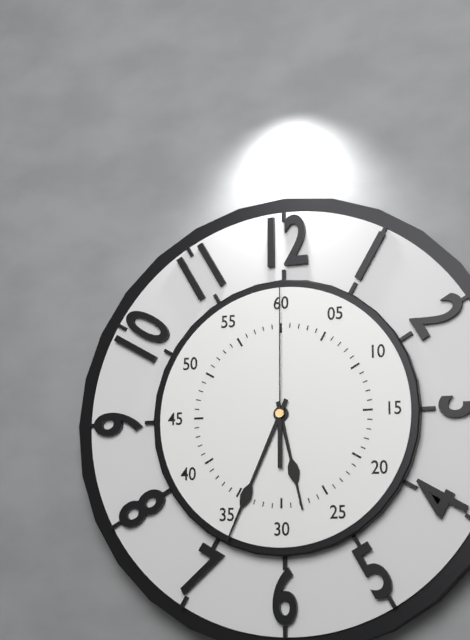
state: 5:34:00
